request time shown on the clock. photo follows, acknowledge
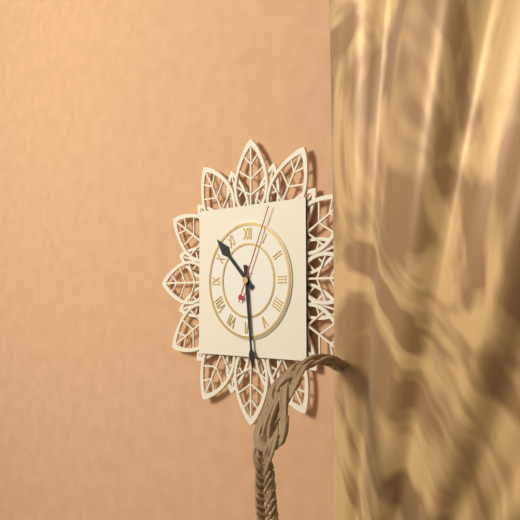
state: 10:29:04
